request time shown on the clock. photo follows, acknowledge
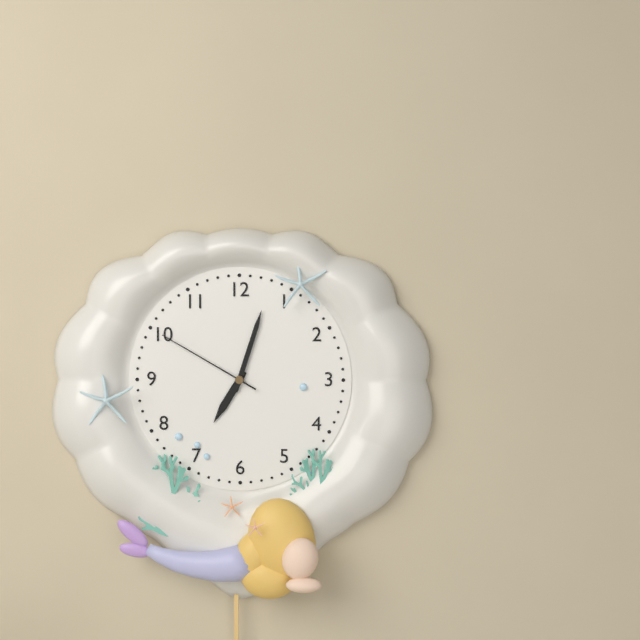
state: 7:03:50
